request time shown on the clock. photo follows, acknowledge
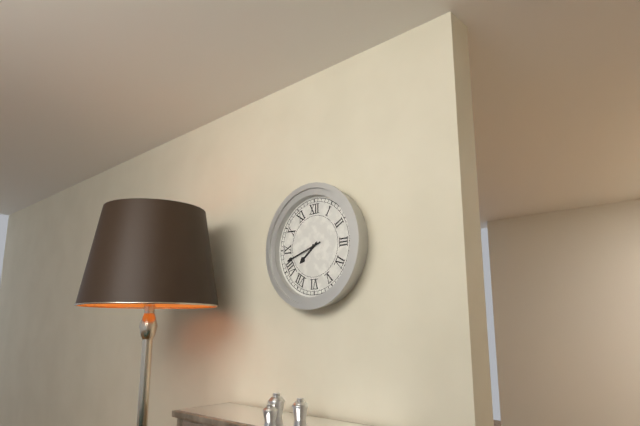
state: 7:42
